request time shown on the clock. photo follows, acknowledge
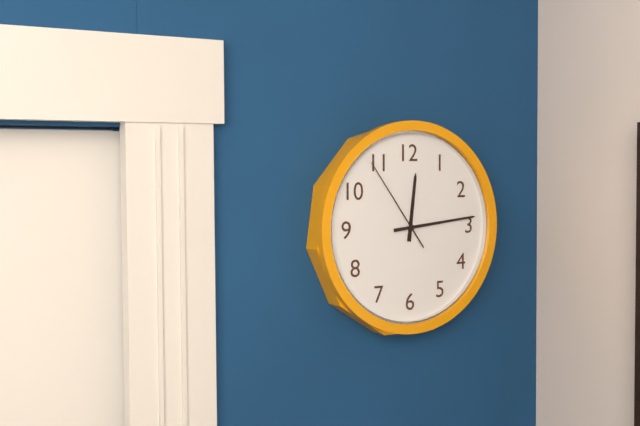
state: 12:14:54
